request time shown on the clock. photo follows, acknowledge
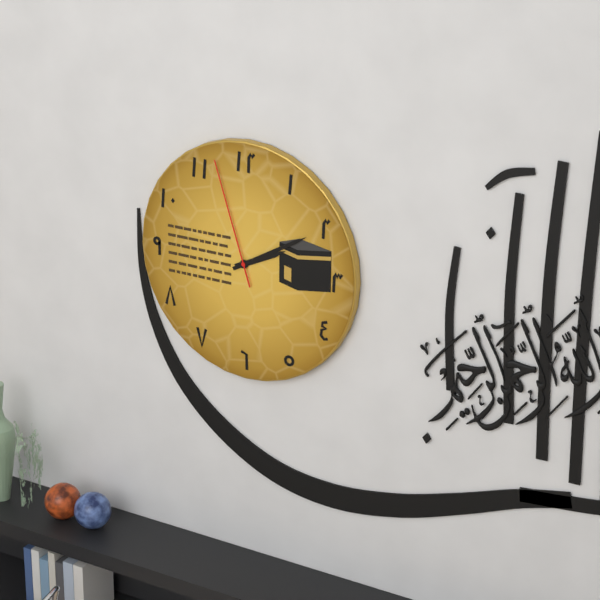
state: 2:10:57
